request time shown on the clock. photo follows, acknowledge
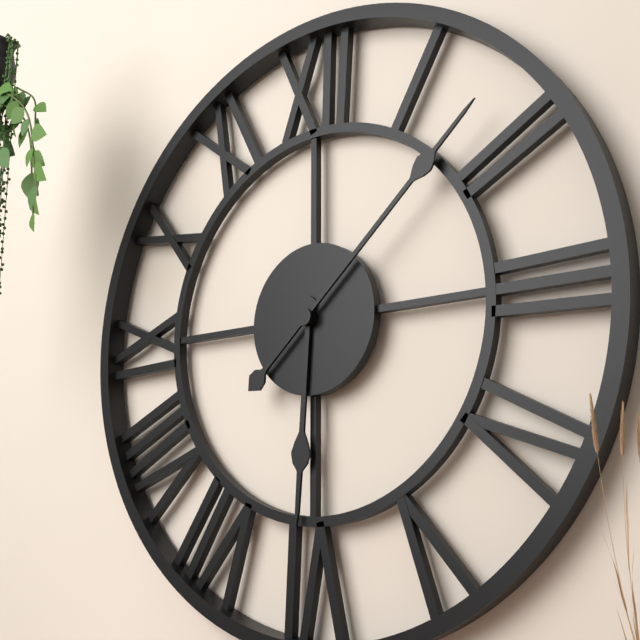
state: 6:08
